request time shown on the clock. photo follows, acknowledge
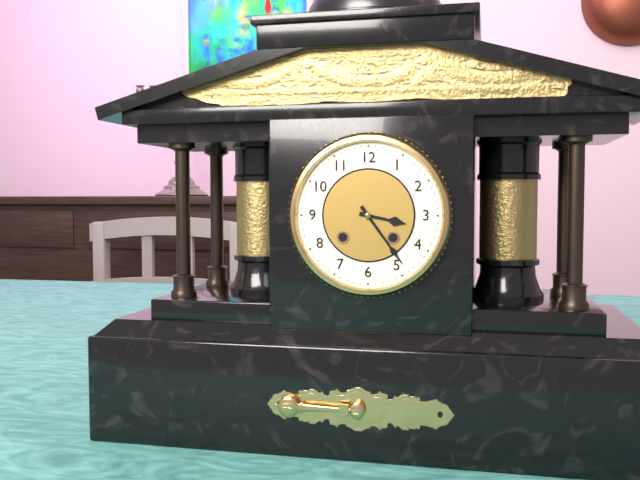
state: 3:24
